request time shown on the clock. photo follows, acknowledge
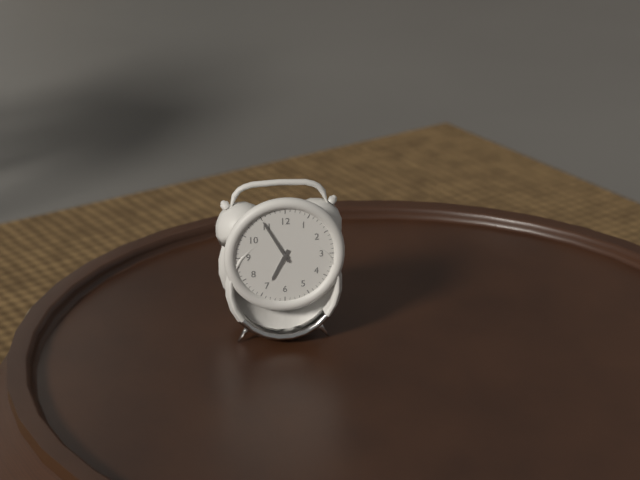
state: 6:55
